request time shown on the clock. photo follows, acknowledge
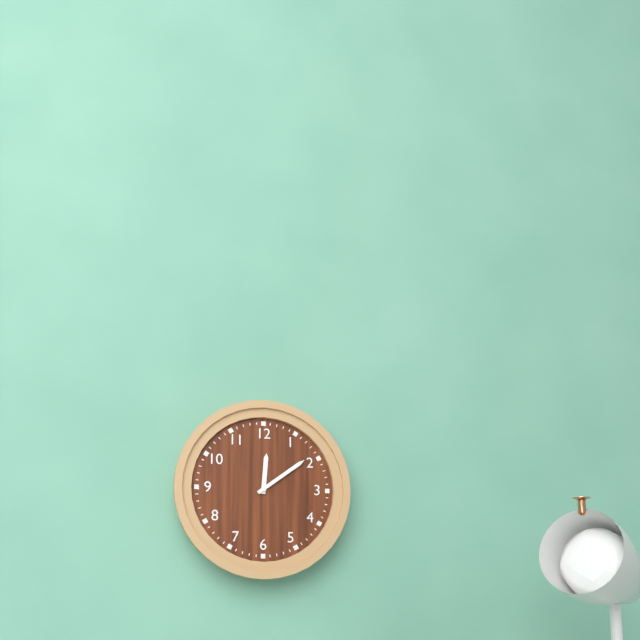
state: 12:09
